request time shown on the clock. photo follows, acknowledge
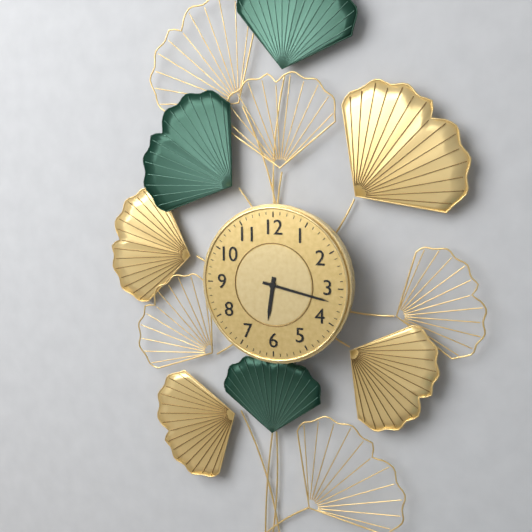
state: 6:17
